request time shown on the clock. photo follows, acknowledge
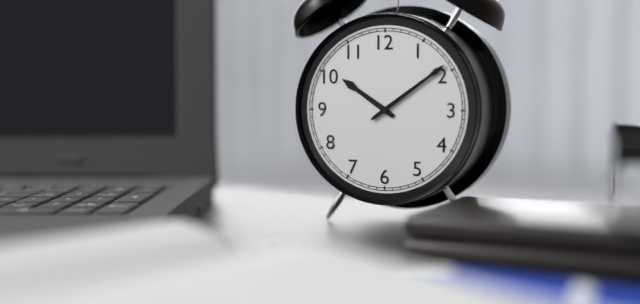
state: 10:09:09
